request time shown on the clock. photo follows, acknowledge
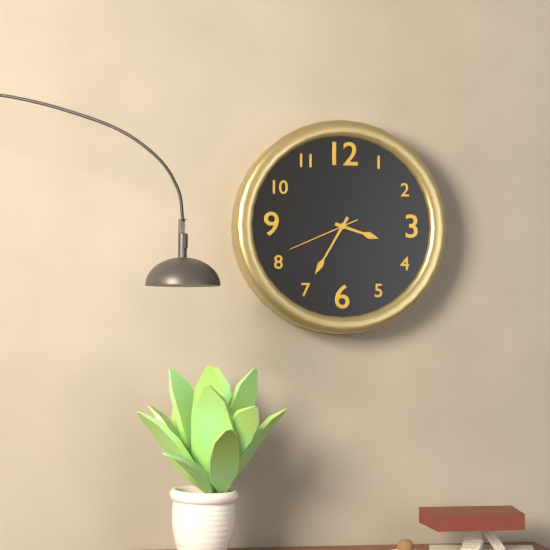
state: 3:35:41
